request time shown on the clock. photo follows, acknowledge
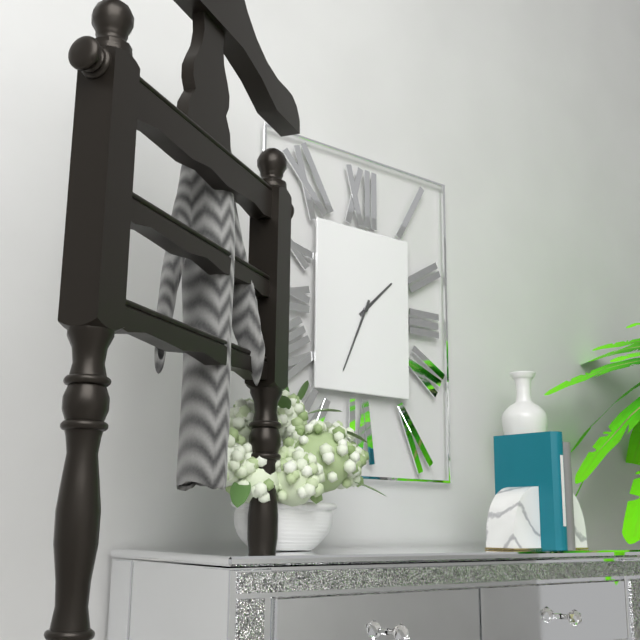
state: 1:34
